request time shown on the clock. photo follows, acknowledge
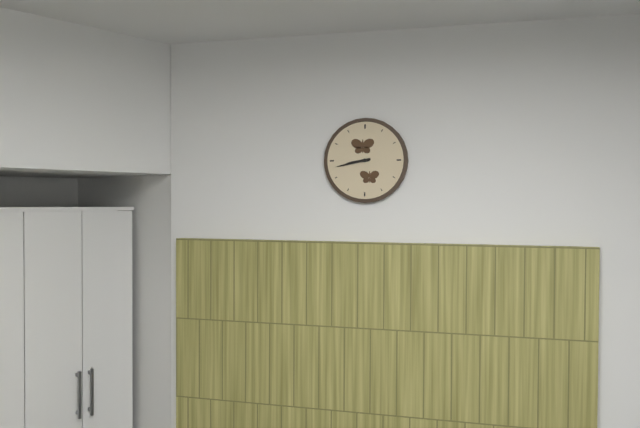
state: 8:43
